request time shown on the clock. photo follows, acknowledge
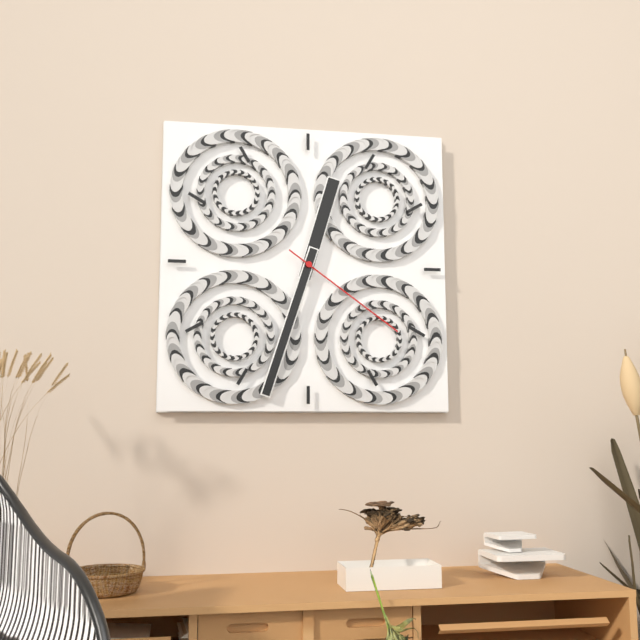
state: 12:33:21
